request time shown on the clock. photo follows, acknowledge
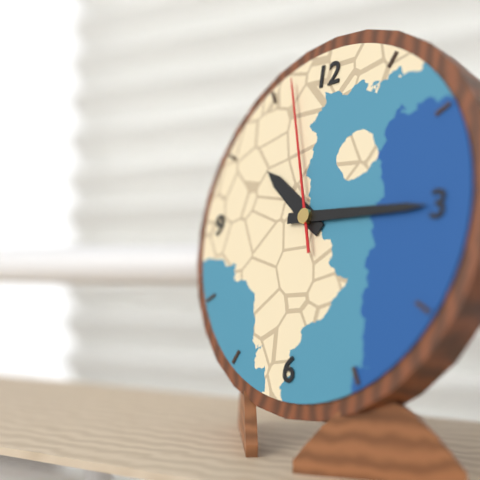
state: 10:15:57
